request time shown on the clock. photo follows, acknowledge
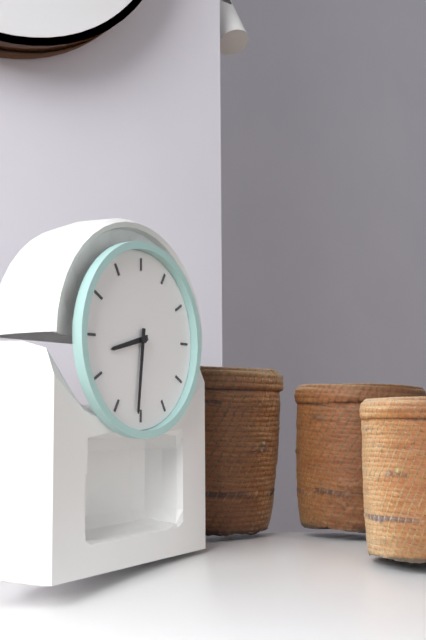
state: 8:31
